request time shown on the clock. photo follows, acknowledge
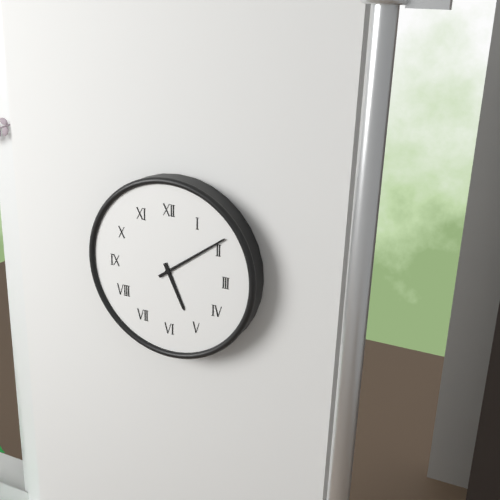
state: 5:09
